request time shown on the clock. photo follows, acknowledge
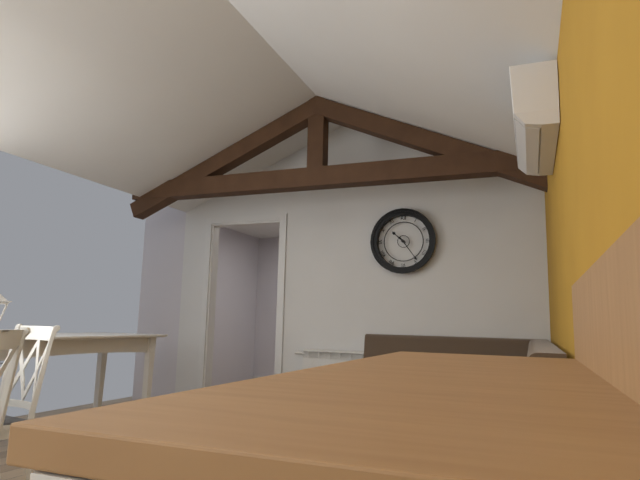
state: 10:24
